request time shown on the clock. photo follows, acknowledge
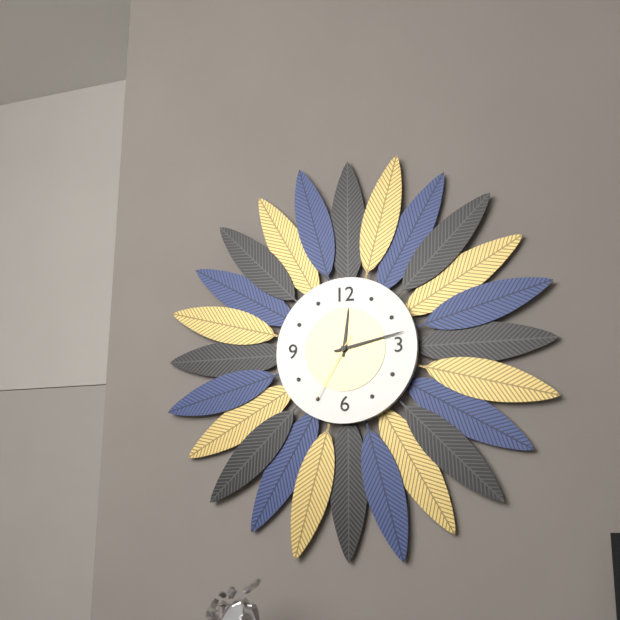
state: 12:13:35
